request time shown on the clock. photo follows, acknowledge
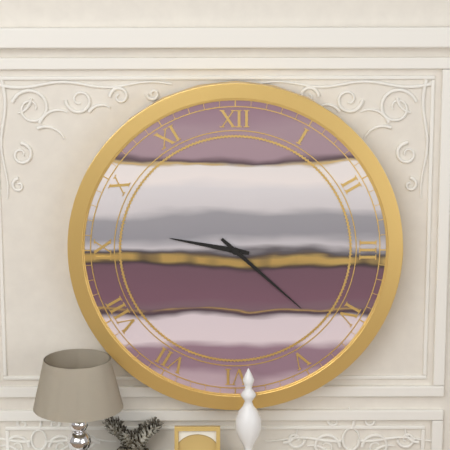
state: 9:22
